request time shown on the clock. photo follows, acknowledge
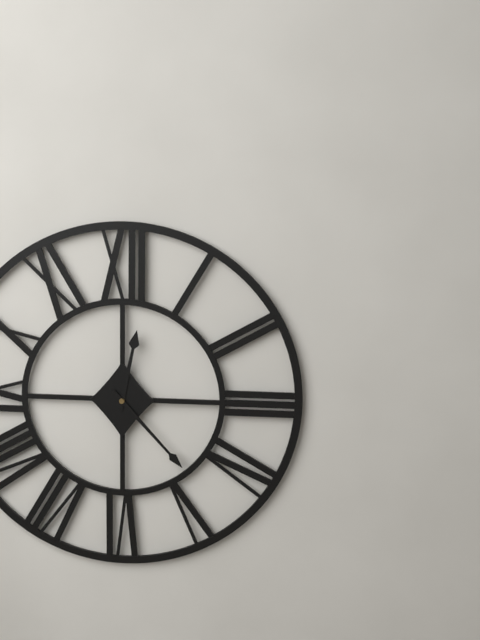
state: 12:23
